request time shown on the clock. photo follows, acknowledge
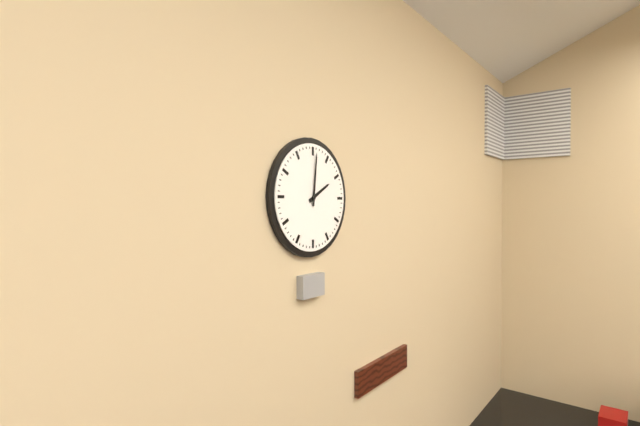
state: 2:01
